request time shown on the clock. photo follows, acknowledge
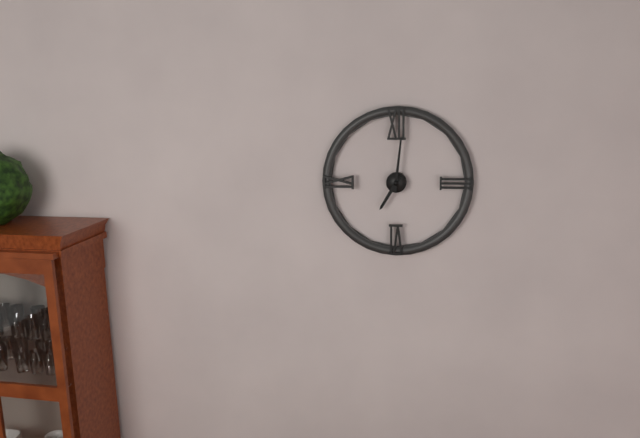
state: 7:01
